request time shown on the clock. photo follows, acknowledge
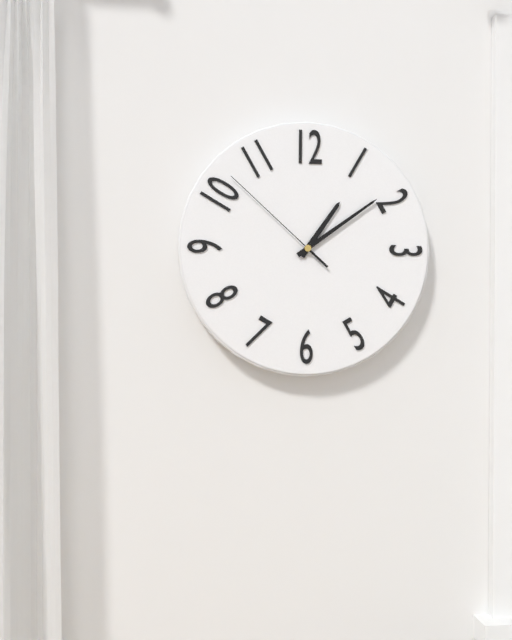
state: 1:09:52
